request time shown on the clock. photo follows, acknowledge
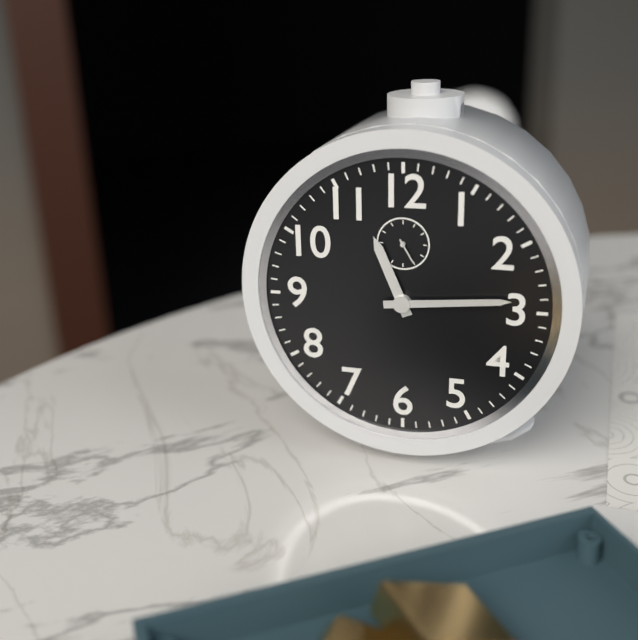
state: 11:14
